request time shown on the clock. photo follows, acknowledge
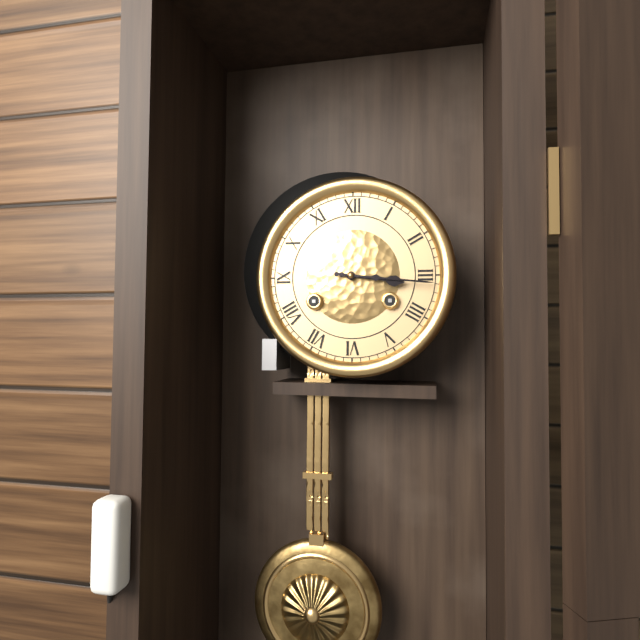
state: 3:16
